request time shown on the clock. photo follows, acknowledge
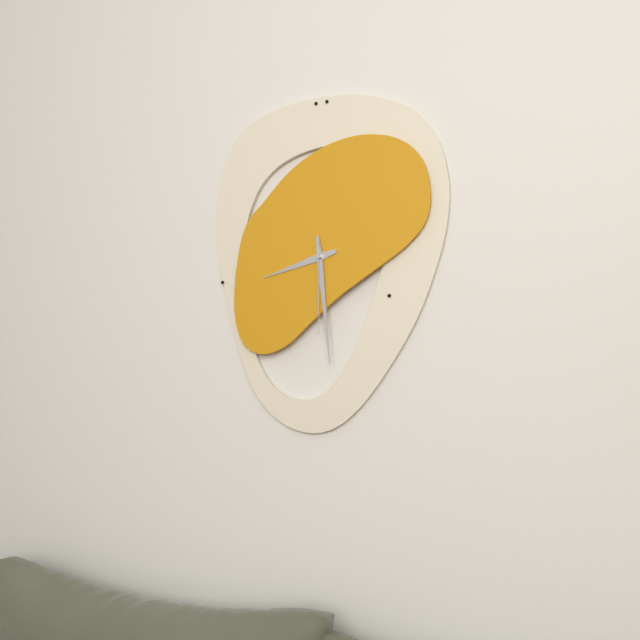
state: 8:29:30
